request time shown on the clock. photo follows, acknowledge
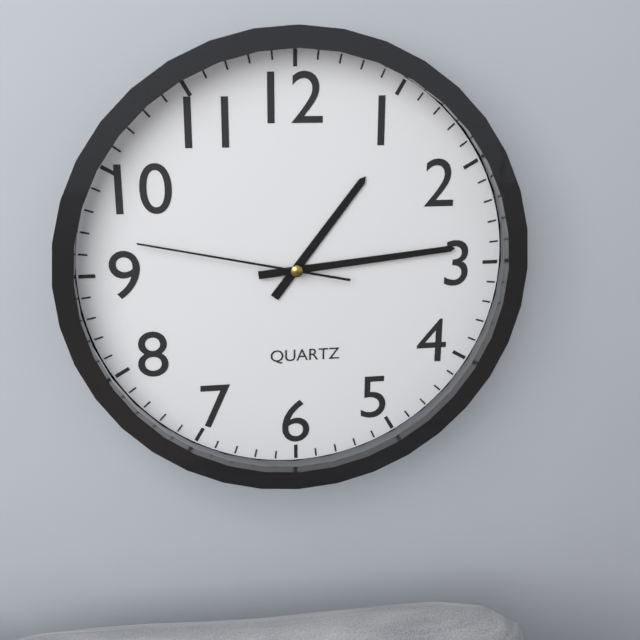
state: 1:14:47
